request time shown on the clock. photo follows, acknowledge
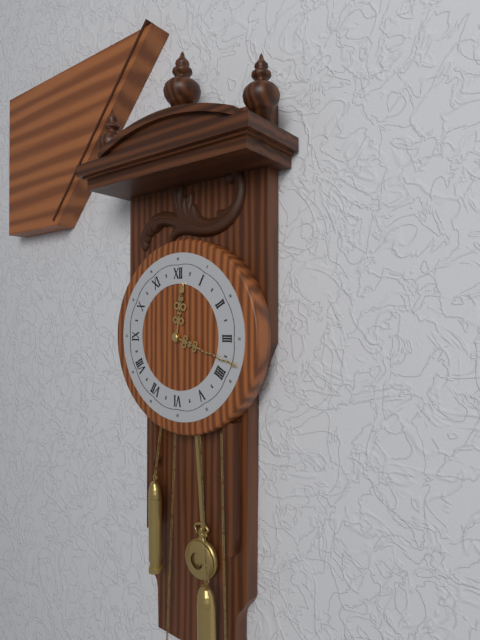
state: 12:18
